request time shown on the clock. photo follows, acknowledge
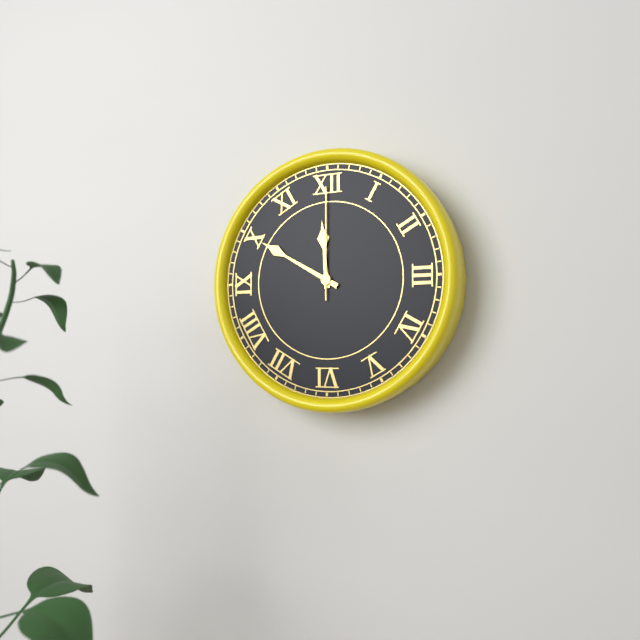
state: 11:50:00
